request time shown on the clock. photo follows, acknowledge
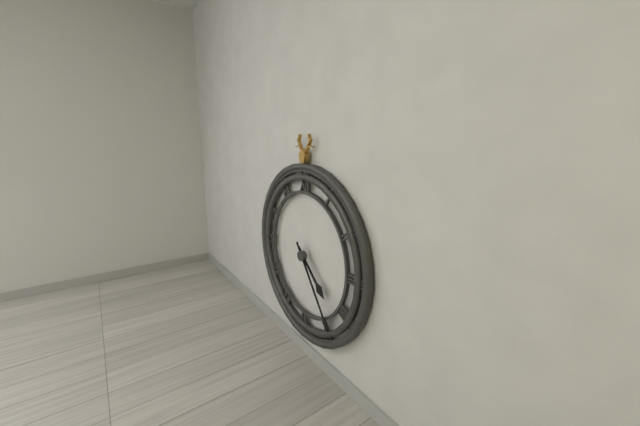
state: 4:24
